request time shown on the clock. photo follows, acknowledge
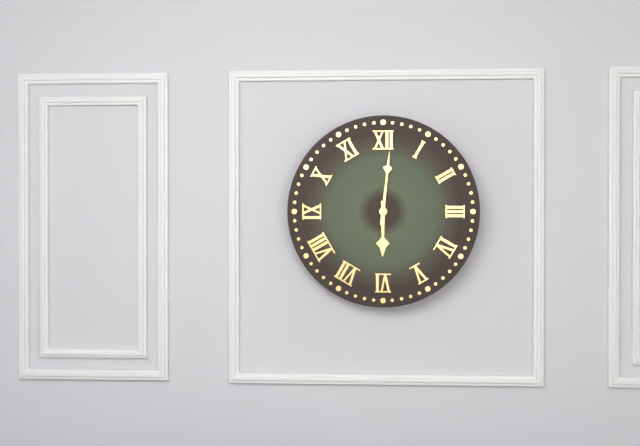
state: 6:01
